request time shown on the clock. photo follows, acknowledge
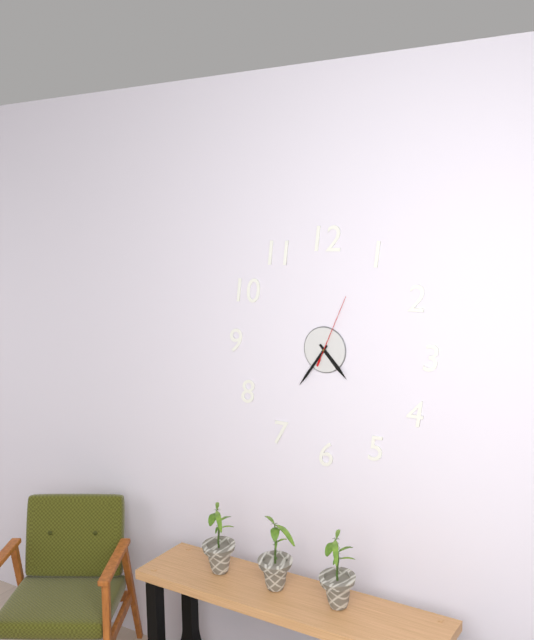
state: 4:36:04
